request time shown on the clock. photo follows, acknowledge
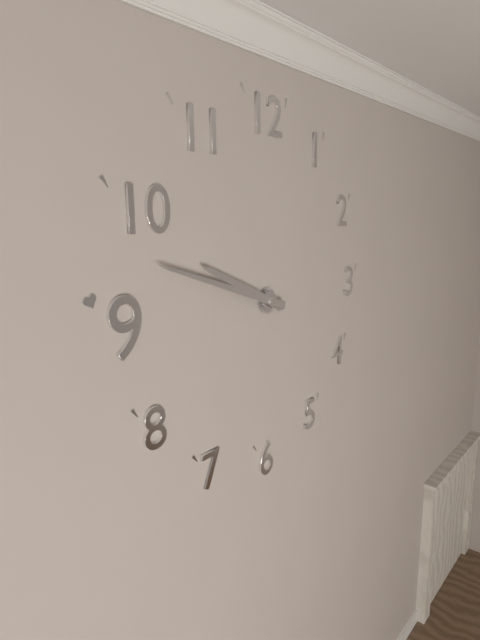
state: 9:48
